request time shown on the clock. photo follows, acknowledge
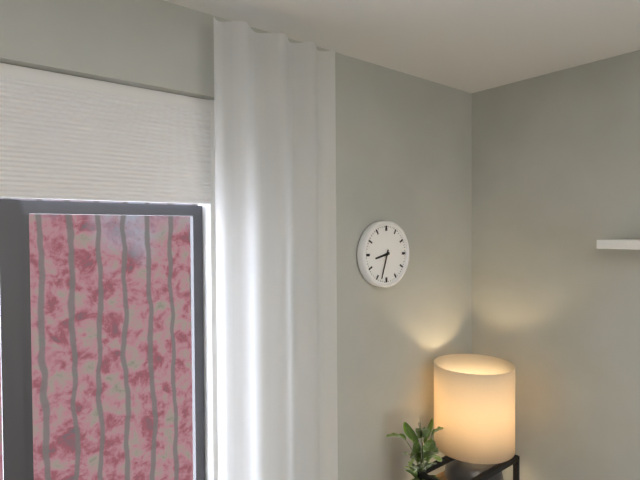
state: 8:33
